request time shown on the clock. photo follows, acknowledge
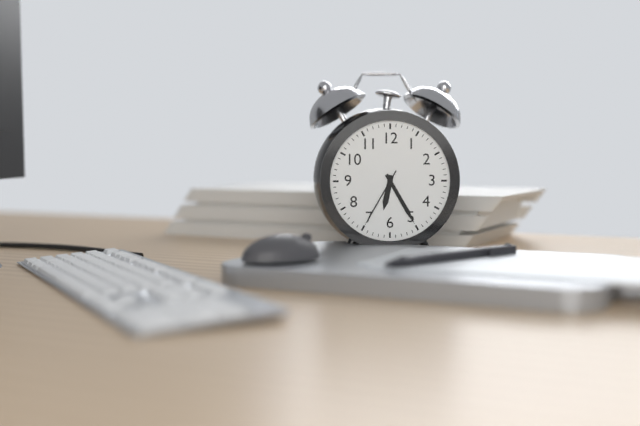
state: 6:25:35
